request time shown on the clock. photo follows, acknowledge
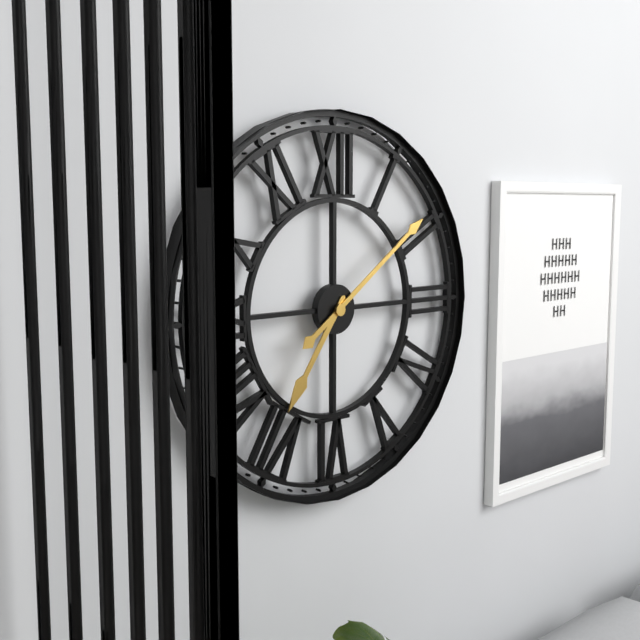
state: 7:09
